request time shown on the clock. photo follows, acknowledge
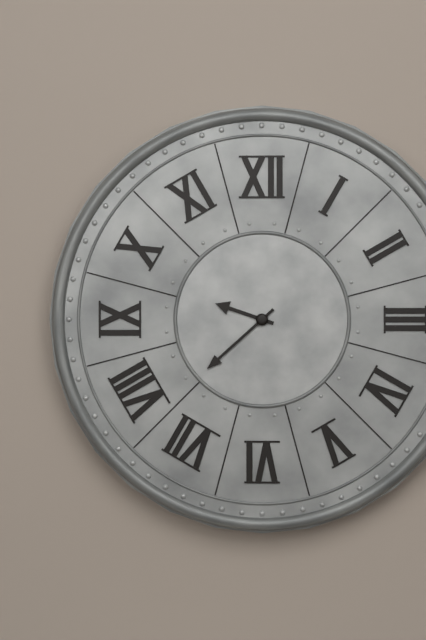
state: 9:38
